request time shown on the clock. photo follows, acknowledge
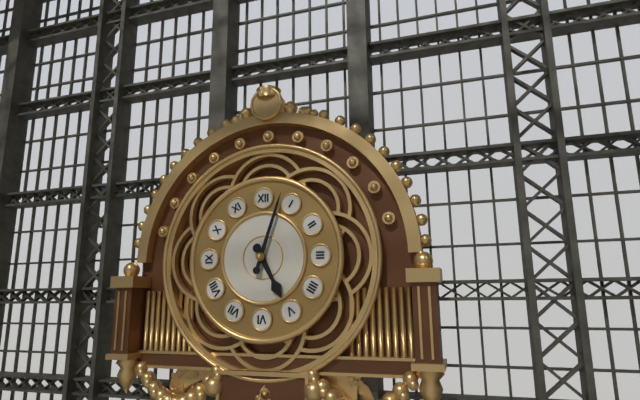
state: 5:03
